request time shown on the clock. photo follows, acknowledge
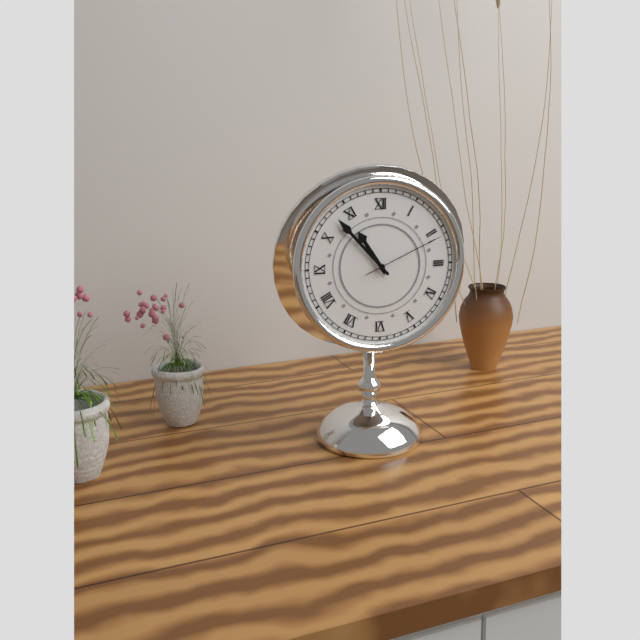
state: 10:53:11
